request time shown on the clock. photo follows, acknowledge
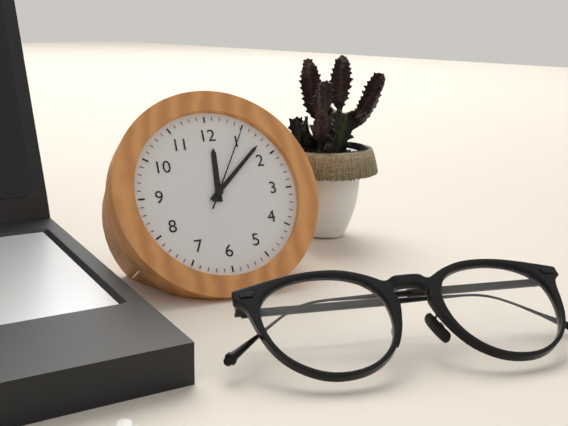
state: 12:08:05
